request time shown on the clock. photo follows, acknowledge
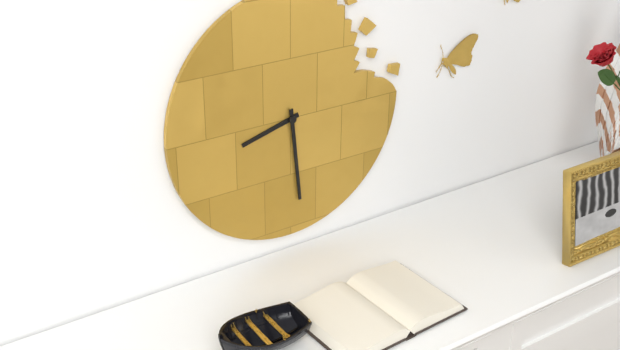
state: 8:29
